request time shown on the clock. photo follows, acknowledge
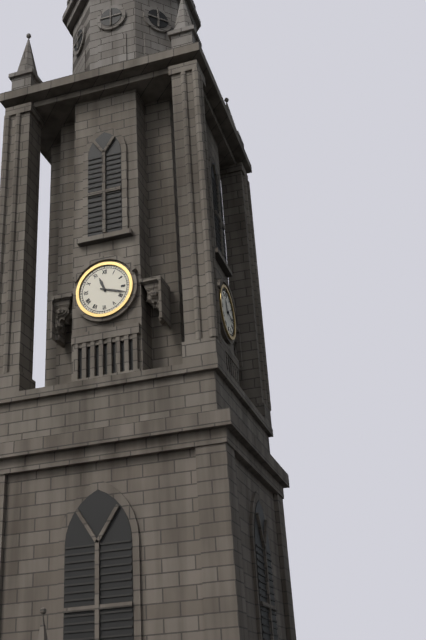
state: 11:18
